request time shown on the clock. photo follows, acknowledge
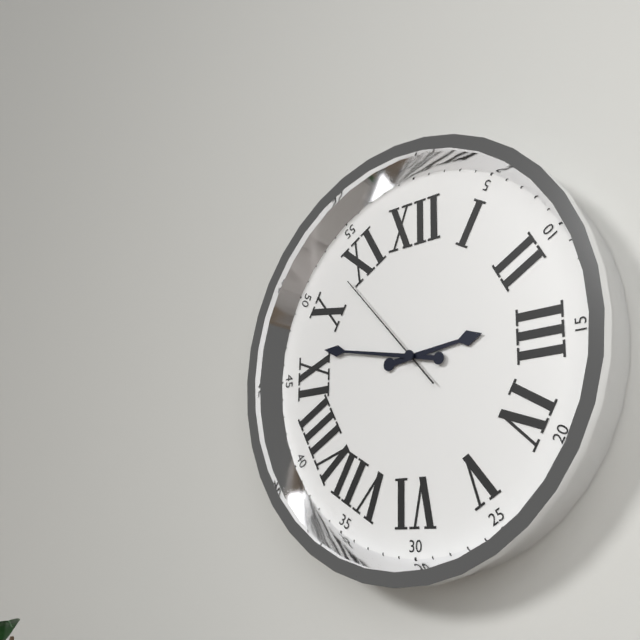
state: 2:47:53
